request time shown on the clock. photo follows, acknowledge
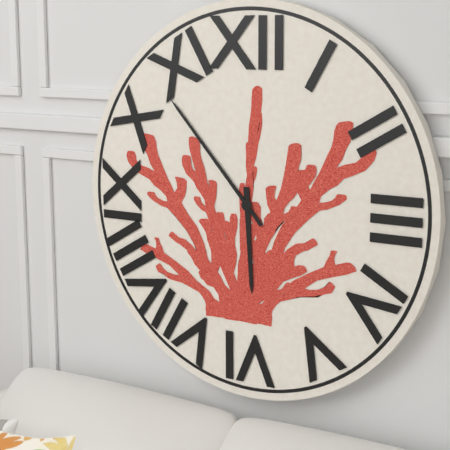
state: 5:53
